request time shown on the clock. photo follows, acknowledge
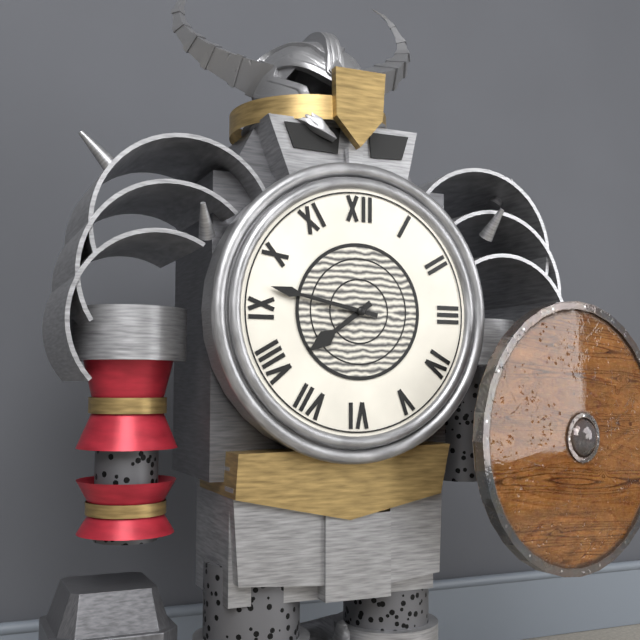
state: 7:47
